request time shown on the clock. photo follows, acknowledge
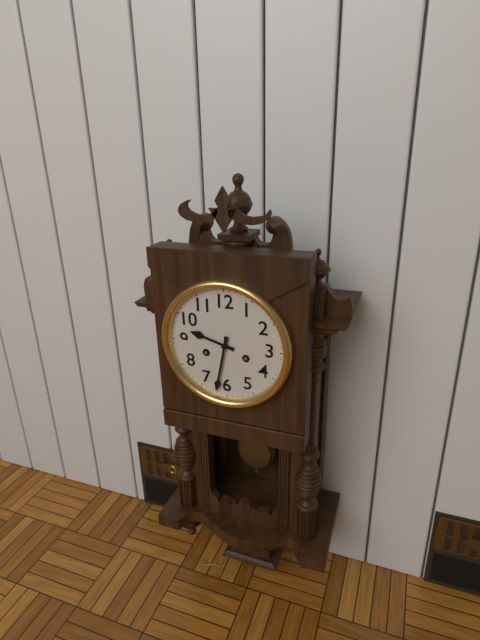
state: 9:32
